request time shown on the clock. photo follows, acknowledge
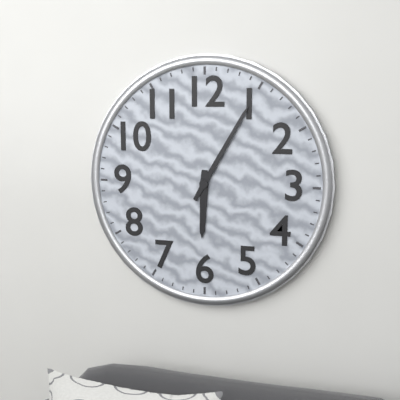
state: 6:05
